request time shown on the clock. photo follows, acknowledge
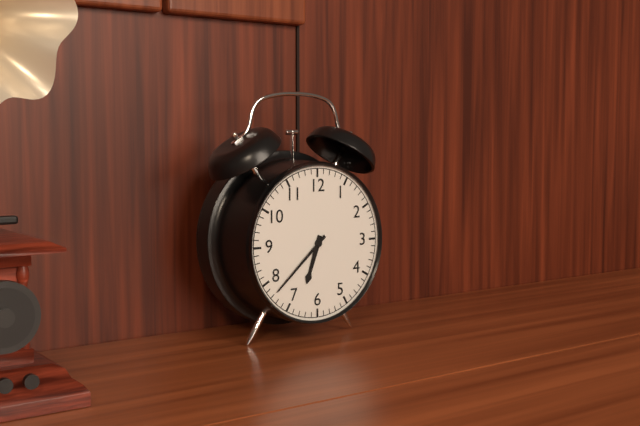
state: 6:38
